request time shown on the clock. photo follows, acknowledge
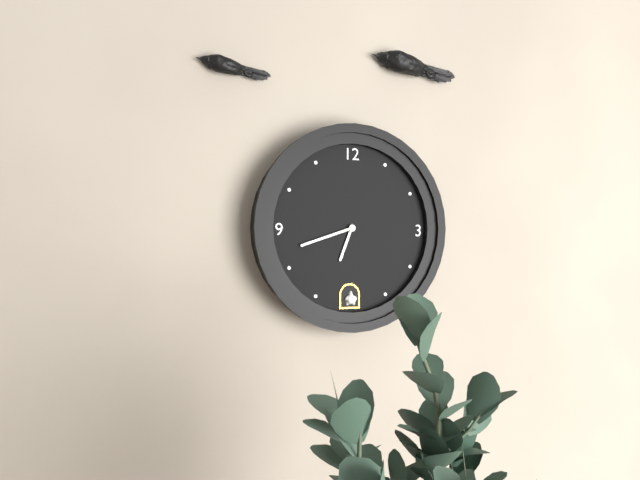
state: 6:42
